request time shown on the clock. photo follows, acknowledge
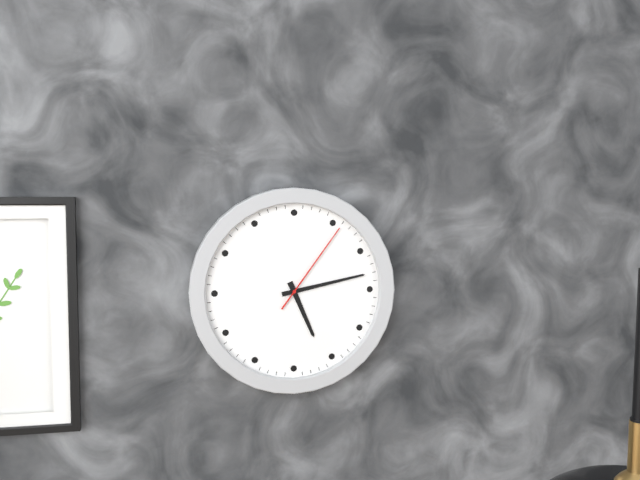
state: 5:13:06
